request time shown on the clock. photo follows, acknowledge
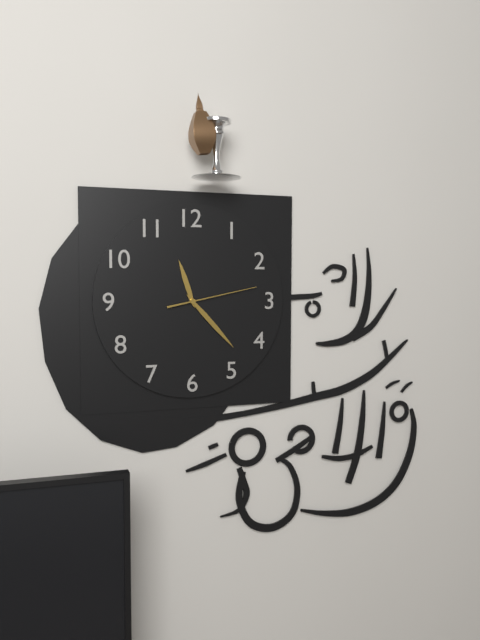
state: 11:23:13
